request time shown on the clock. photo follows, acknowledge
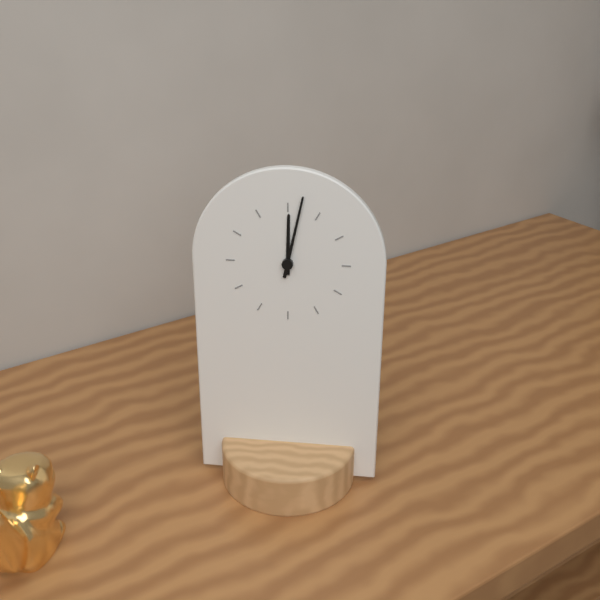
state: 12:02
